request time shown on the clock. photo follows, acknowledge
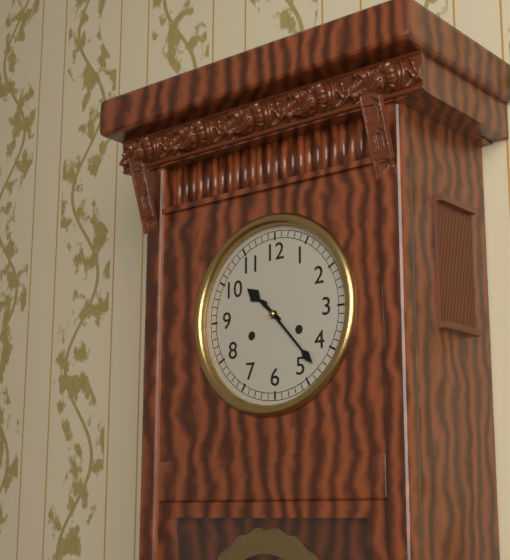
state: 10:23
